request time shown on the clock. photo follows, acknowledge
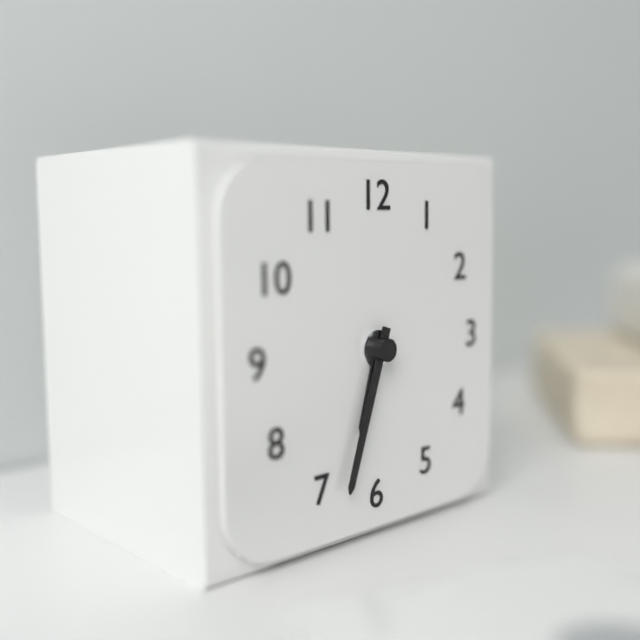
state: 6:33
